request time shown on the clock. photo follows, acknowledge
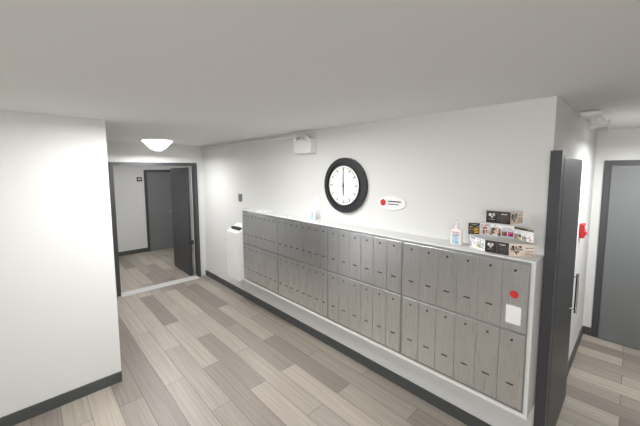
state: 6:00
